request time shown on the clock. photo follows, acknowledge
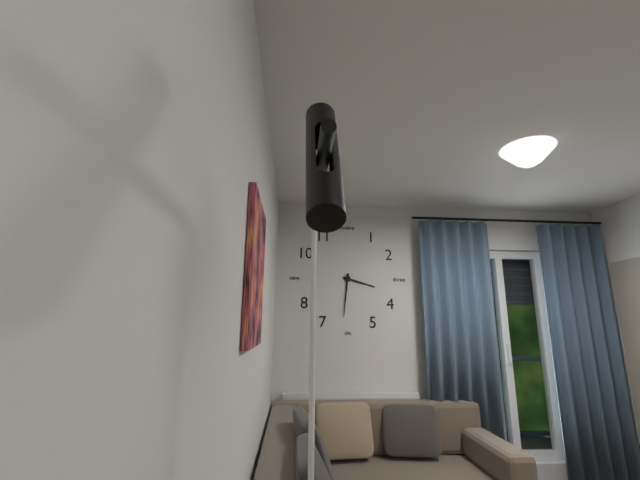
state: 3:31
